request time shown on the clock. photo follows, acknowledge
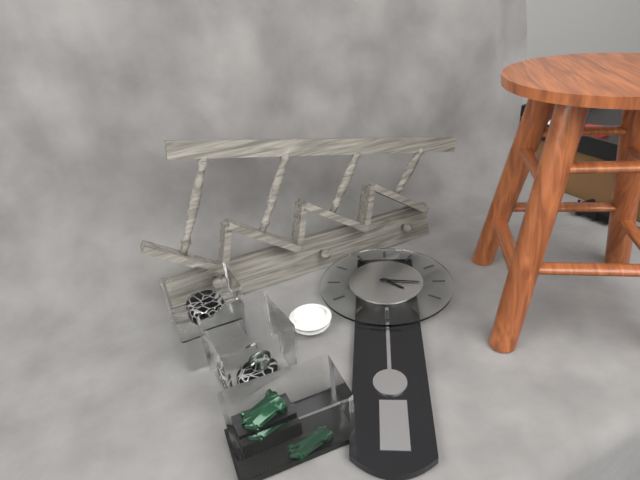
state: 4:16
